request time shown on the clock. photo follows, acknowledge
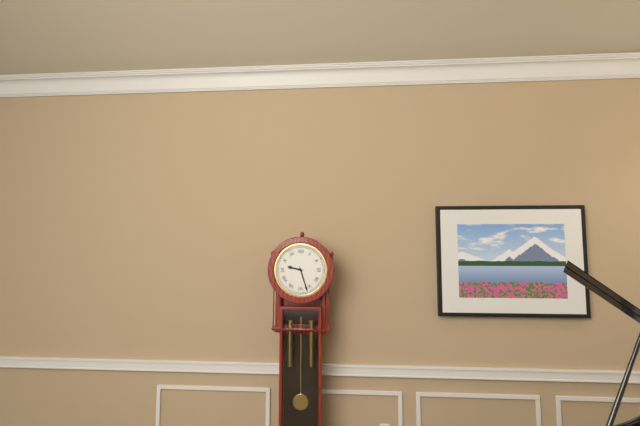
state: 9:27
